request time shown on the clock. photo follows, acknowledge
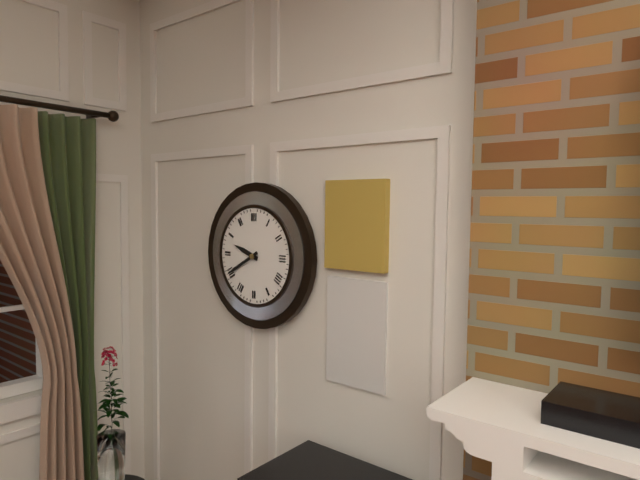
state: 9:40
